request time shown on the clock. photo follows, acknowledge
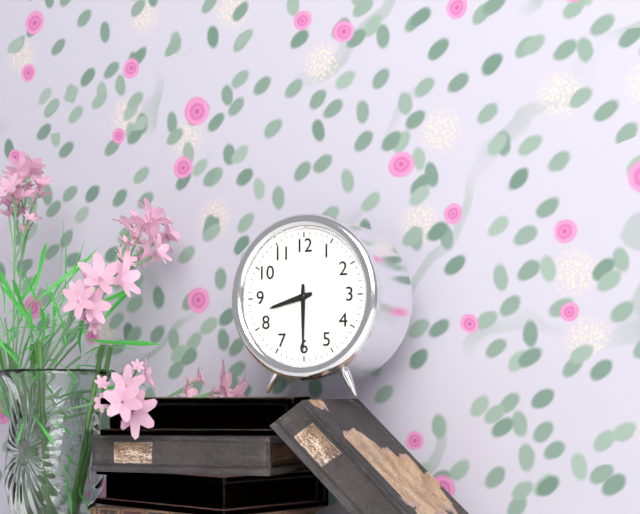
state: 8:30
